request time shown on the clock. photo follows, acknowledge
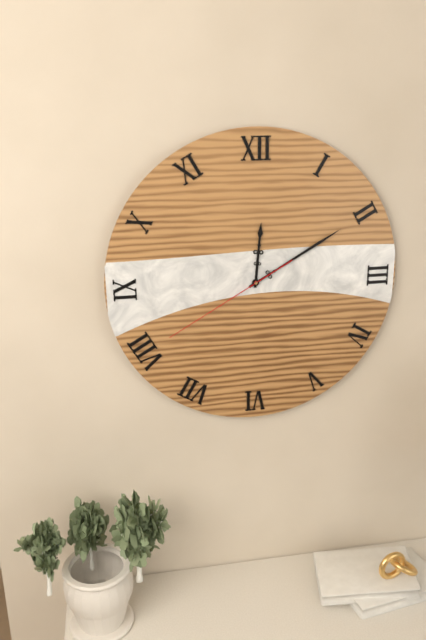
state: 12:10:40
